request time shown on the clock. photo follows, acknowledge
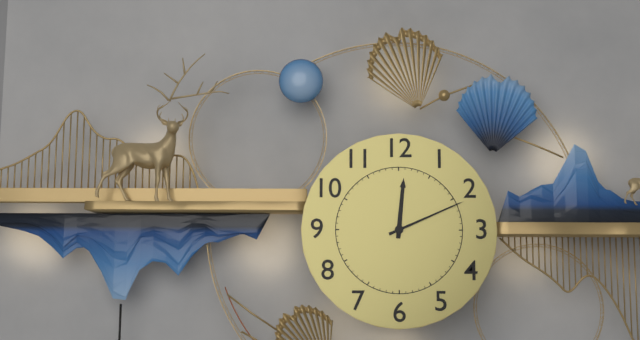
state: 12:11
